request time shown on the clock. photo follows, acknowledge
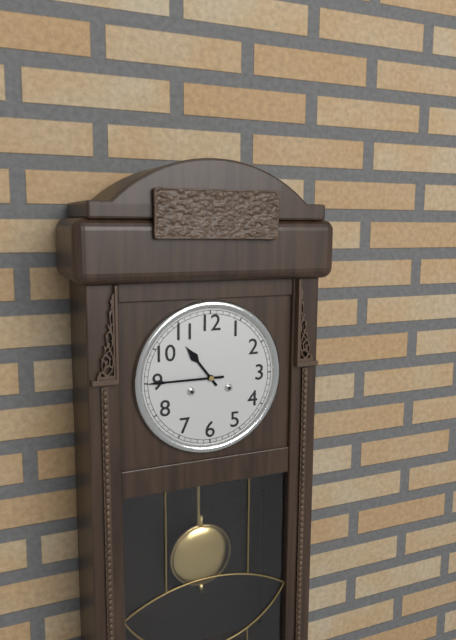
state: 10:45
